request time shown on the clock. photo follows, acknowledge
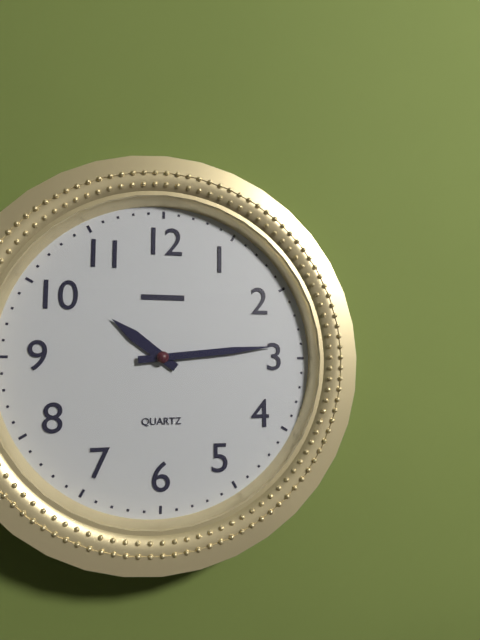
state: 10:14
